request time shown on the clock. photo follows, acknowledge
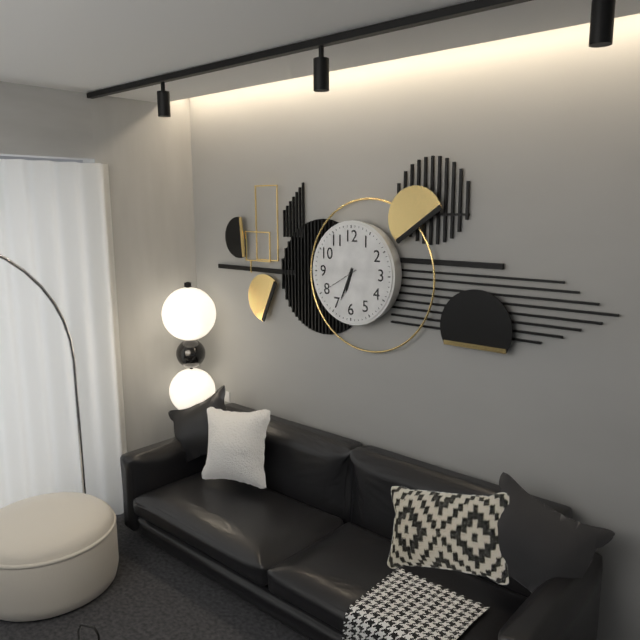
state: 6:34
